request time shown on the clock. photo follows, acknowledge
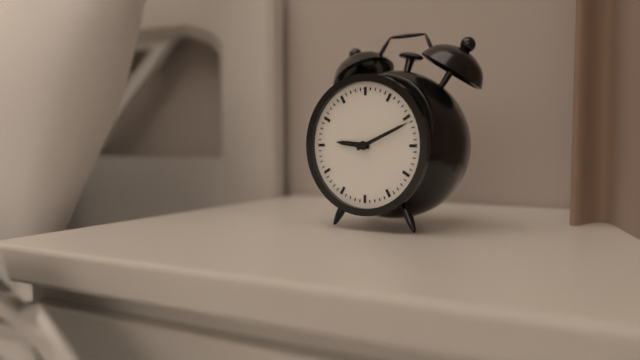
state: 9:11
